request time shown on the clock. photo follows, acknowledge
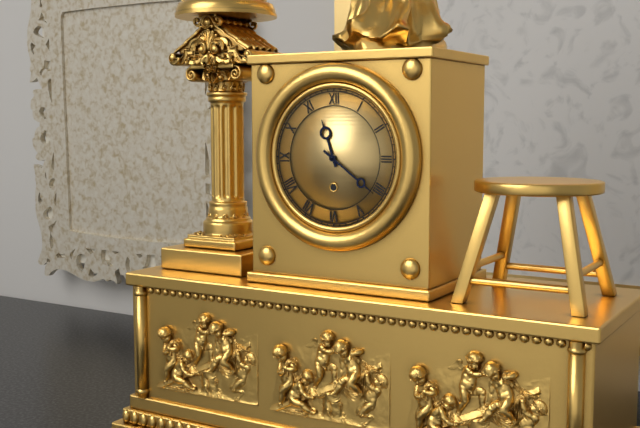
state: 11:21
